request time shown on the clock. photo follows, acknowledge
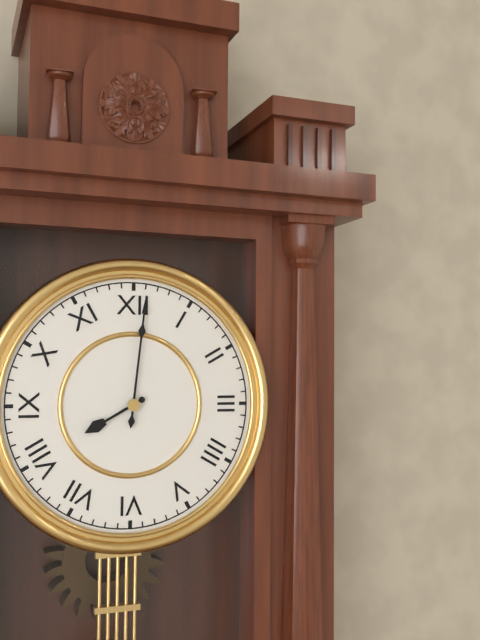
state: 8:01
